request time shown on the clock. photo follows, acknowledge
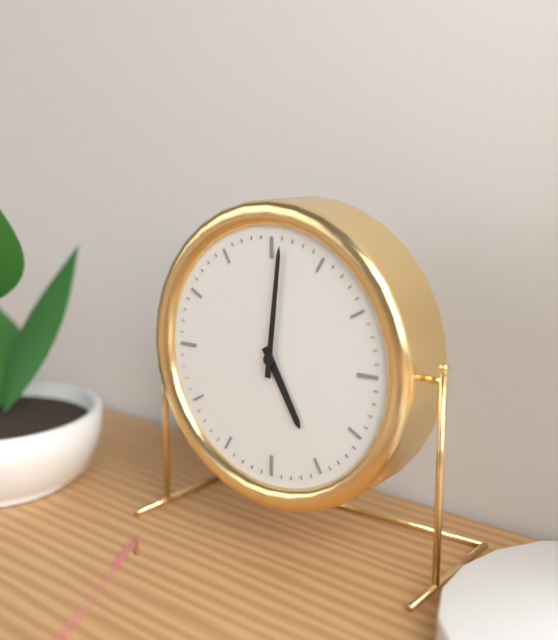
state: 5:01
